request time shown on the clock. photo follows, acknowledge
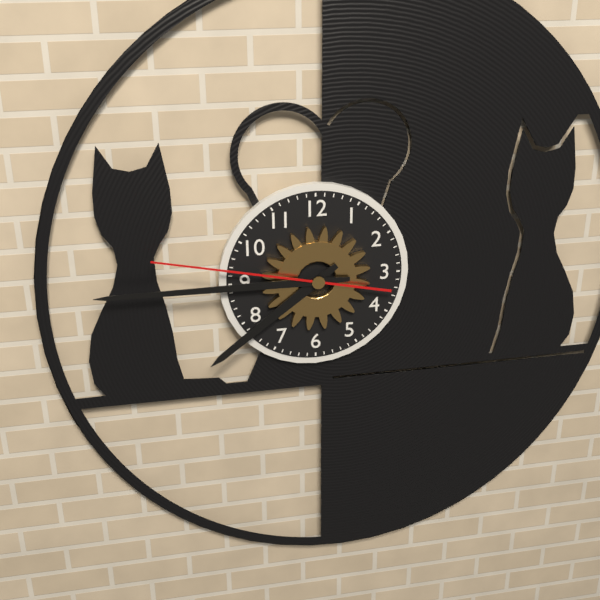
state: 7:45:47
